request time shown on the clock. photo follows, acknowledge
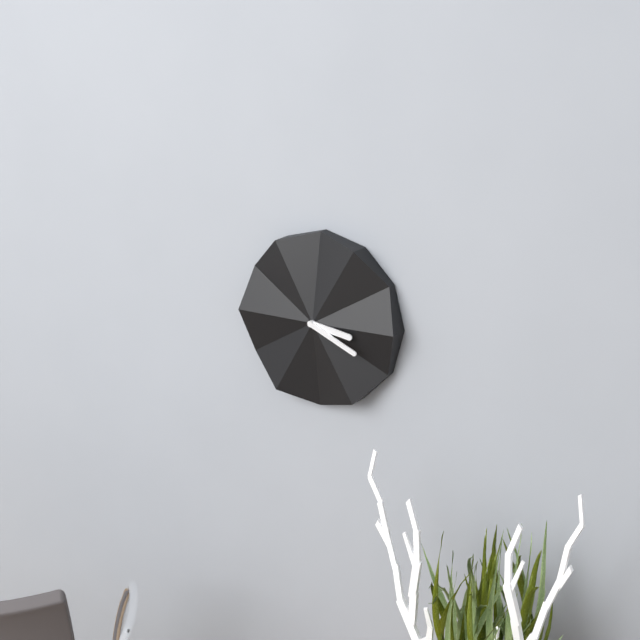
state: 3:19
